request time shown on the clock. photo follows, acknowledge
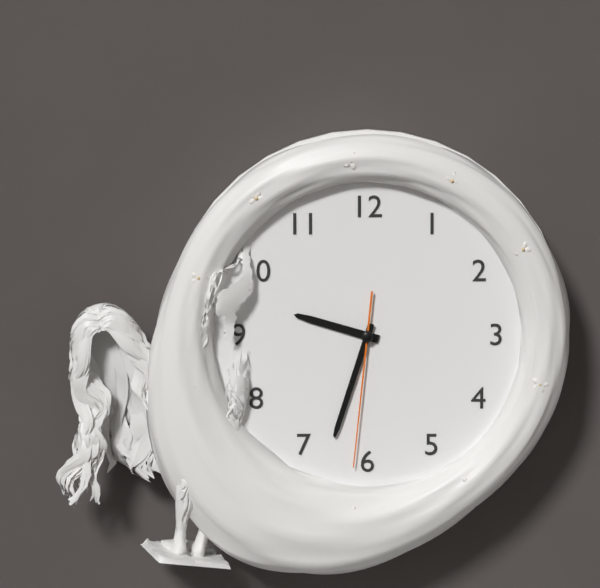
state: 9:33:31
